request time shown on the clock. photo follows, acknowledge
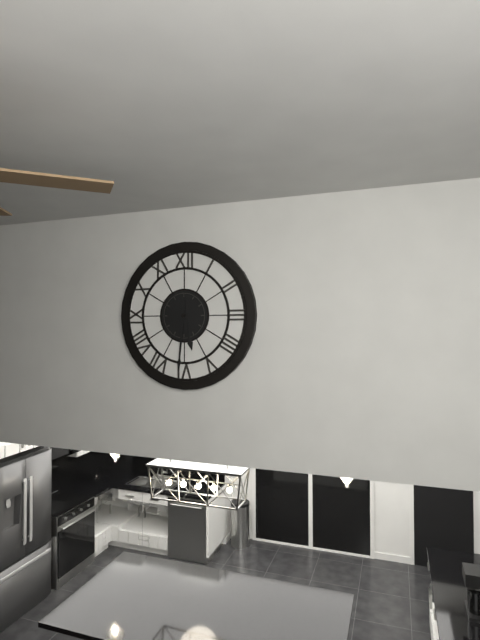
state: 5:31
